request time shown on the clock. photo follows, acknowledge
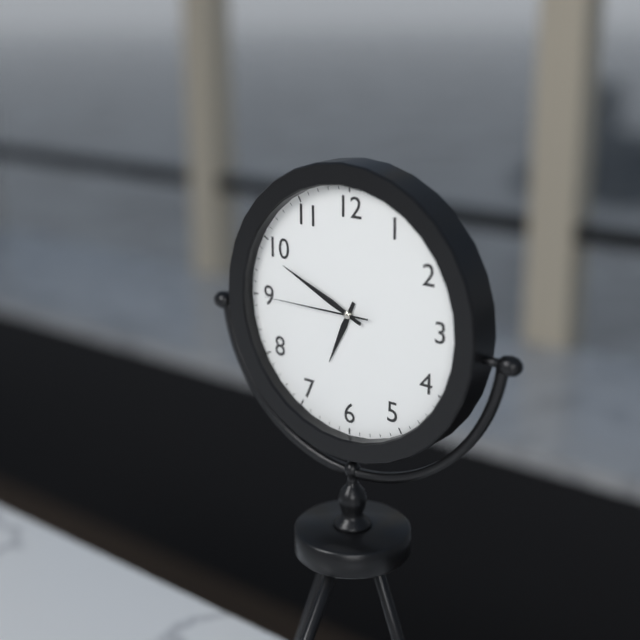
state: 6:49:45
